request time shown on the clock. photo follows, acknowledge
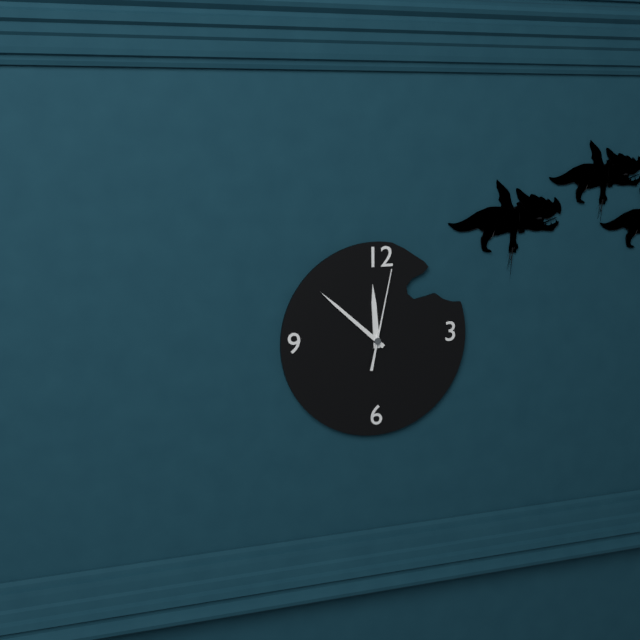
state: 11:52:02
